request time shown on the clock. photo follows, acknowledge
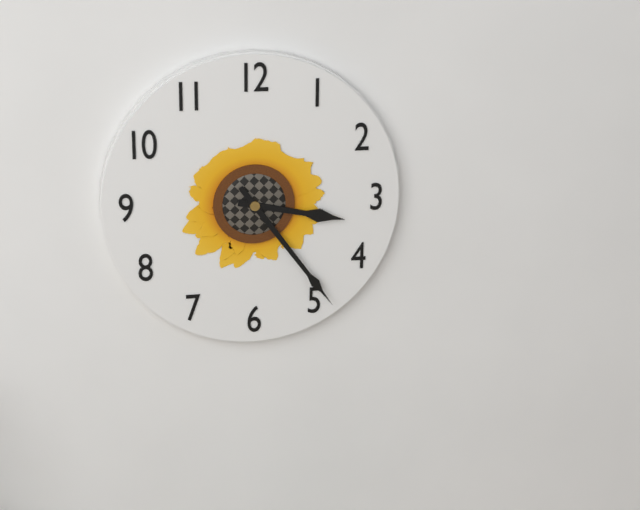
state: 3:24
